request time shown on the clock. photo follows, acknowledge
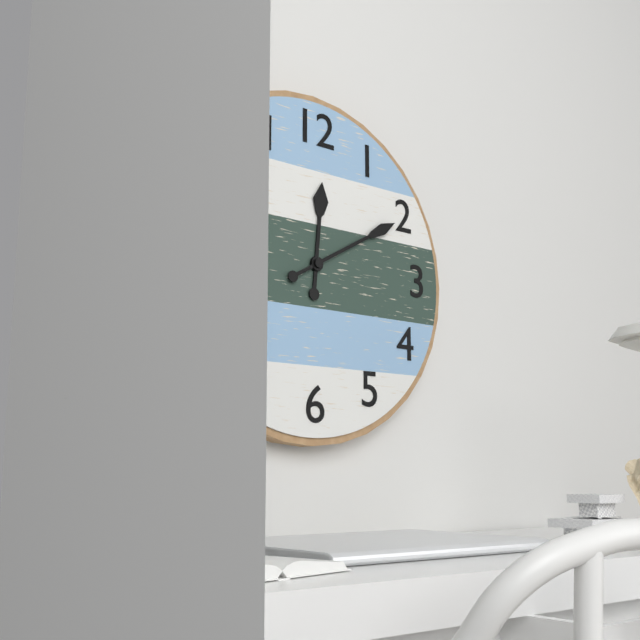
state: 12:10
